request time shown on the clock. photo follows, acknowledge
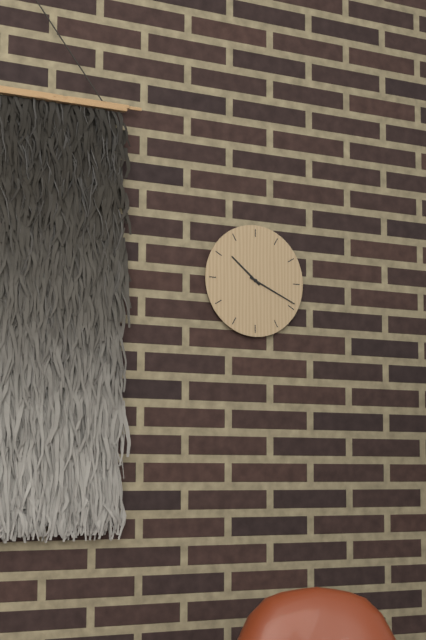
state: 10:19
